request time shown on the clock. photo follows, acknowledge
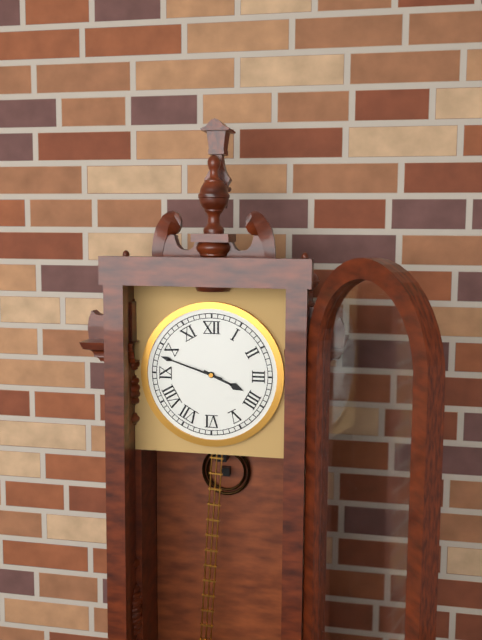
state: 3:48
